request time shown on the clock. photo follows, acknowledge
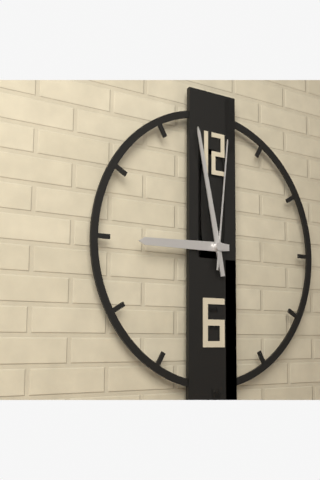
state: 8:58:01
